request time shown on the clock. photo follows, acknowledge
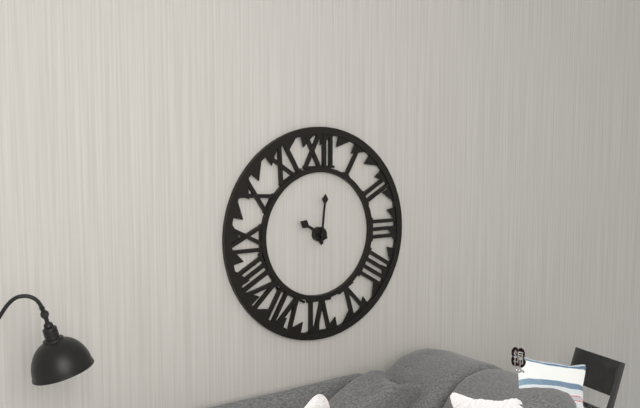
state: 10:01
